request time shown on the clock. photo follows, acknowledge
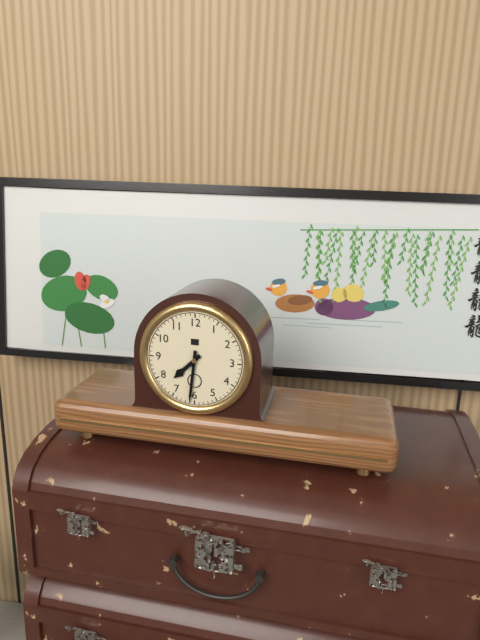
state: 7:31
